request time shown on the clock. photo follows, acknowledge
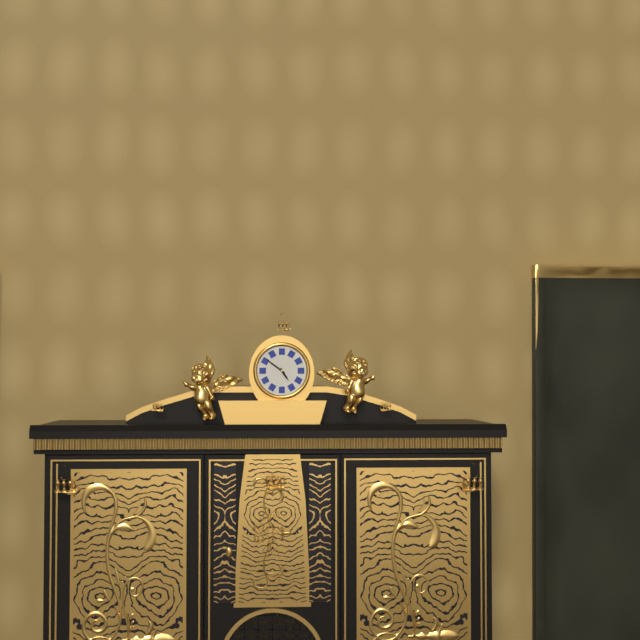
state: 4:51
